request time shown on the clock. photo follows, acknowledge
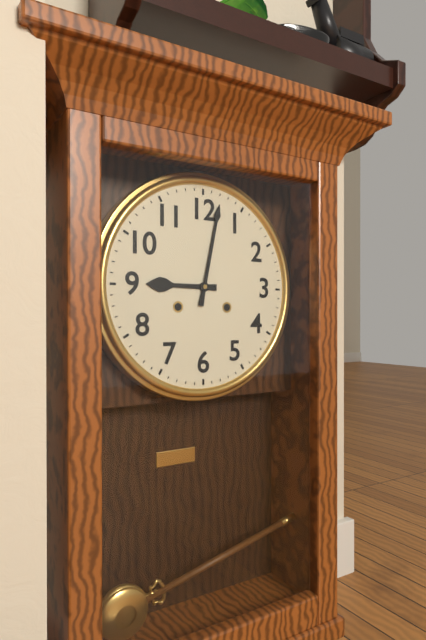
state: 9:02
